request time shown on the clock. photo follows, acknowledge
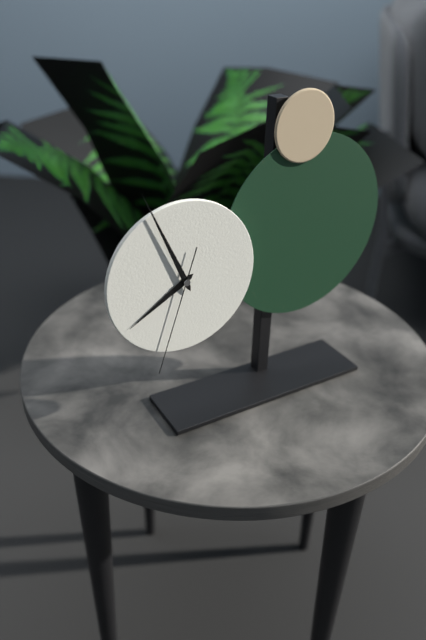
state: 7:56:33
